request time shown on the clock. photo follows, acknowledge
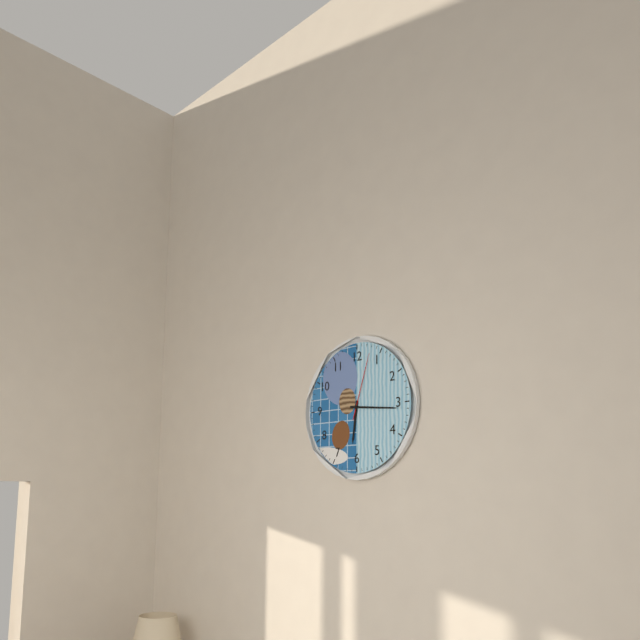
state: 6:16:03
